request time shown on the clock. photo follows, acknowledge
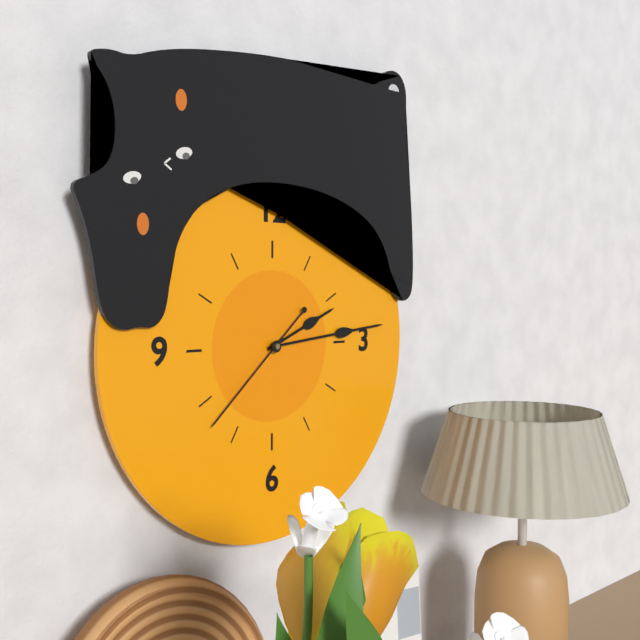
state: 2:14:38
